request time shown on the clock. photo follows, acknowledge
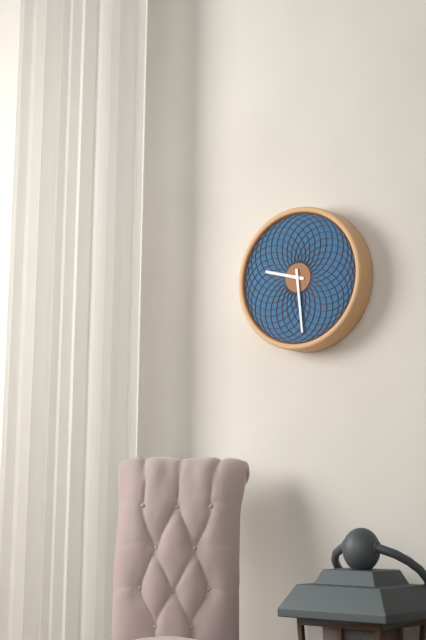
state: 9:29
